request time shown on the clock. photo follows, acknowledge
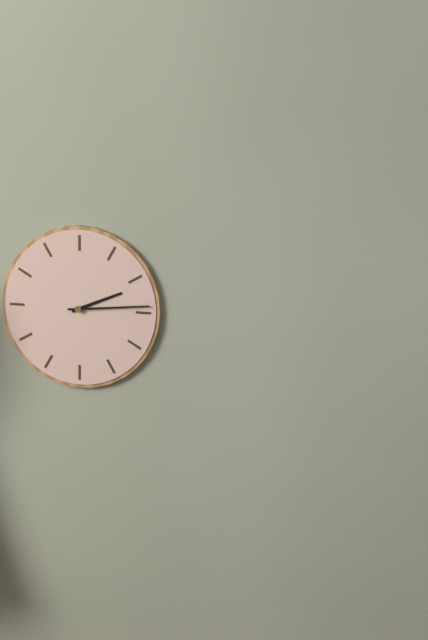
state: 2:14
